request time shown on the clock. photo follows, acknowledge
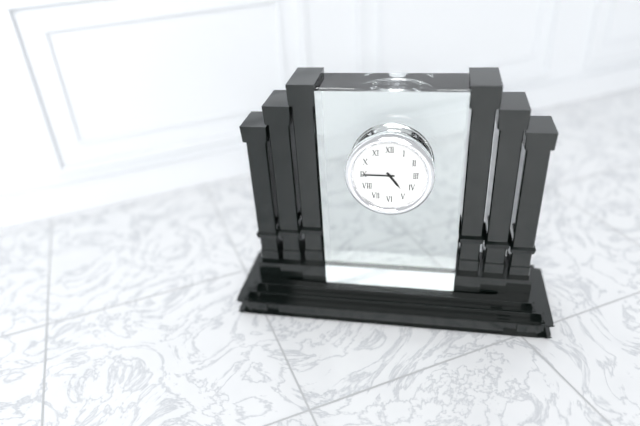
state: 4:45
